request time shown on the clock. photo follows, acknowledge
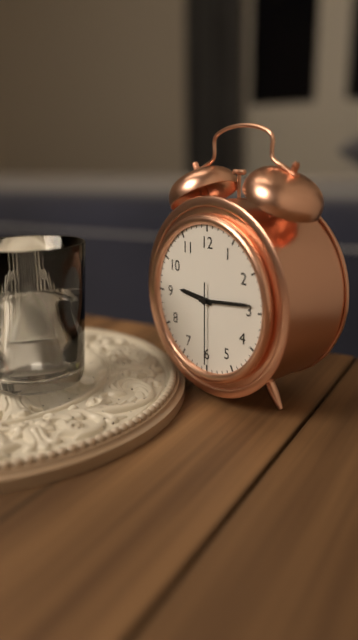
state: 9:14:30
